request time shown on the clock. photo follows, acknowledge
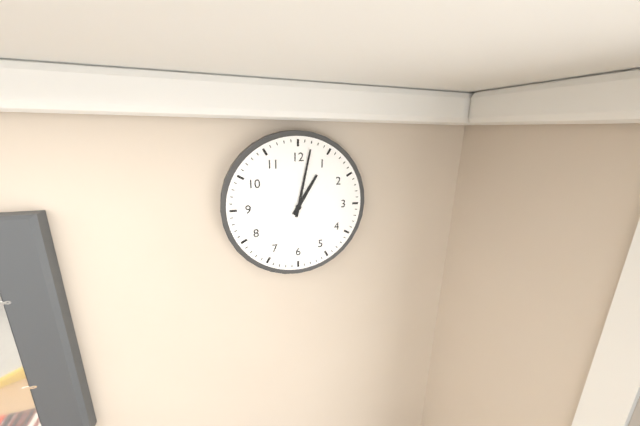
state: 1:02
